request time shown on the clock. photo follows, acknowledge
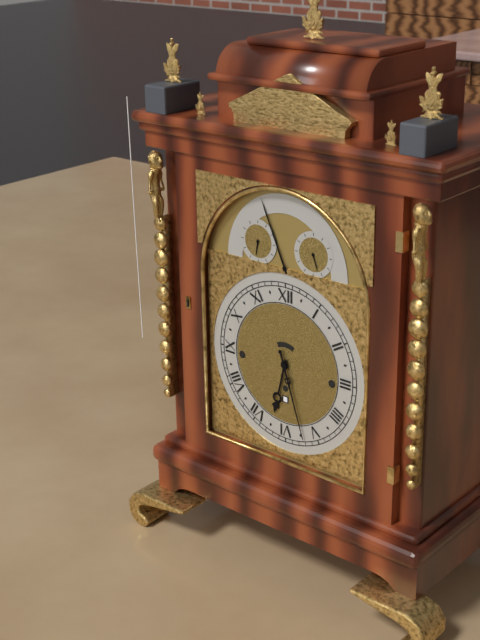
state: 6:27
